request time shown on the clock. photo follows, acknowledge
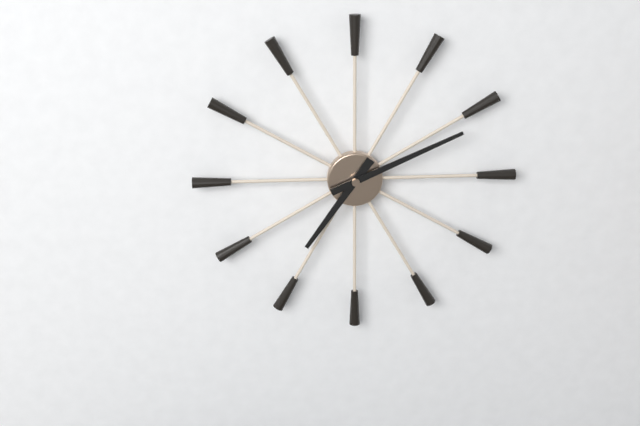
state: 7:11
